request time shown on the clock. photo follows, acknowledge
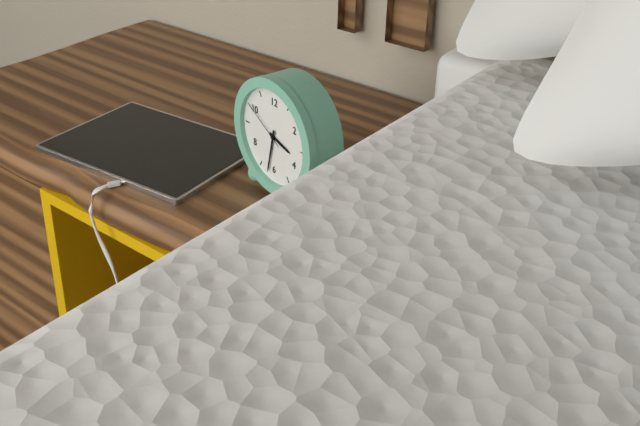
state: 3:32:50
